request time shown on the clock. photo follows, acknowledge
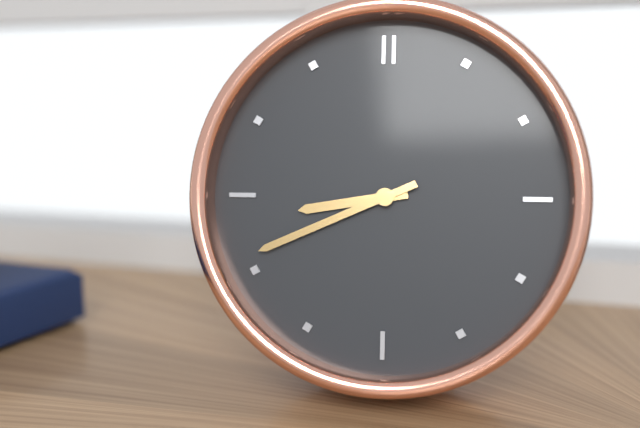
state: 8:41
